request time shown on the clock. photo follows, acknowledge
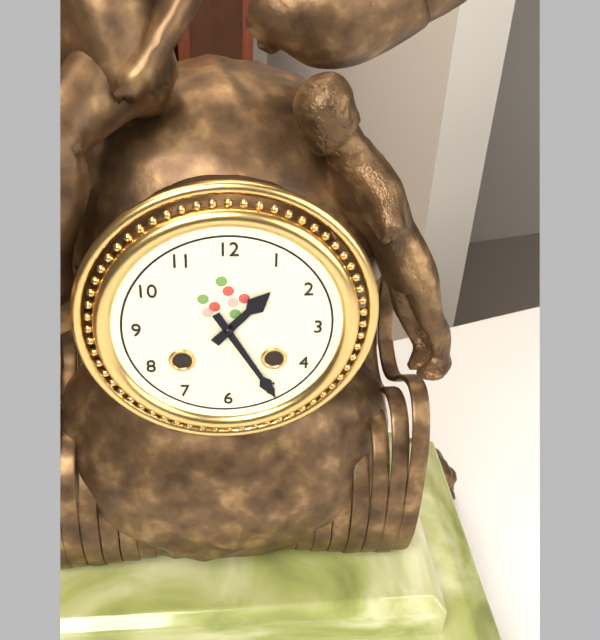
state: 1:25
